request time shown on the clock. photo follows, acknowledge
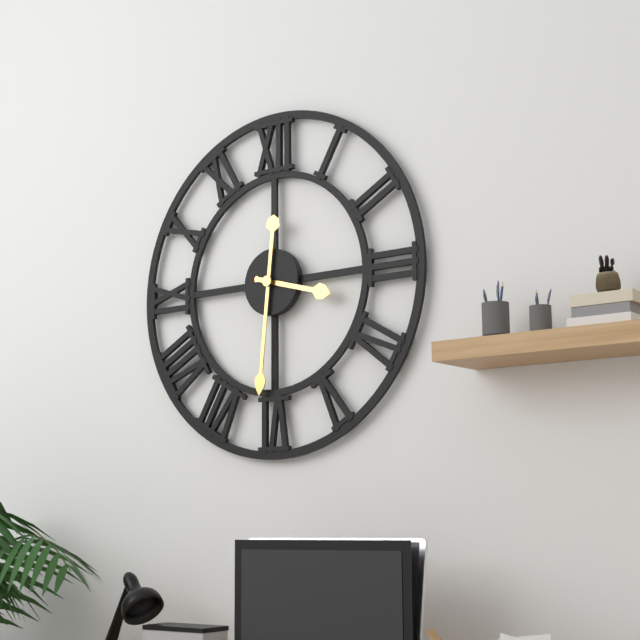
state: 3:31
